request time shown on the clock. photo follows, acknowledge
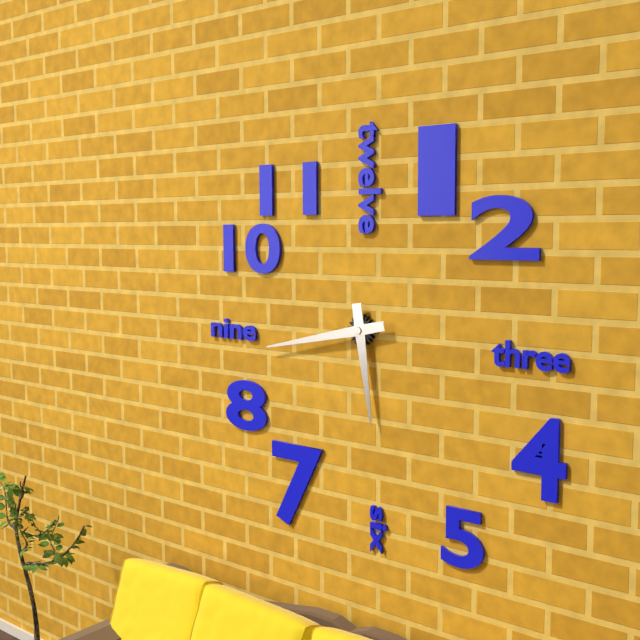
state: 5:43
